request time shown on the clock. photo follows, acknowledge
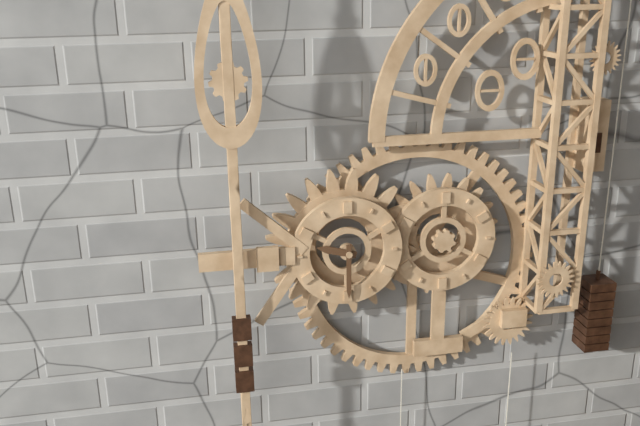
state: 9:30
